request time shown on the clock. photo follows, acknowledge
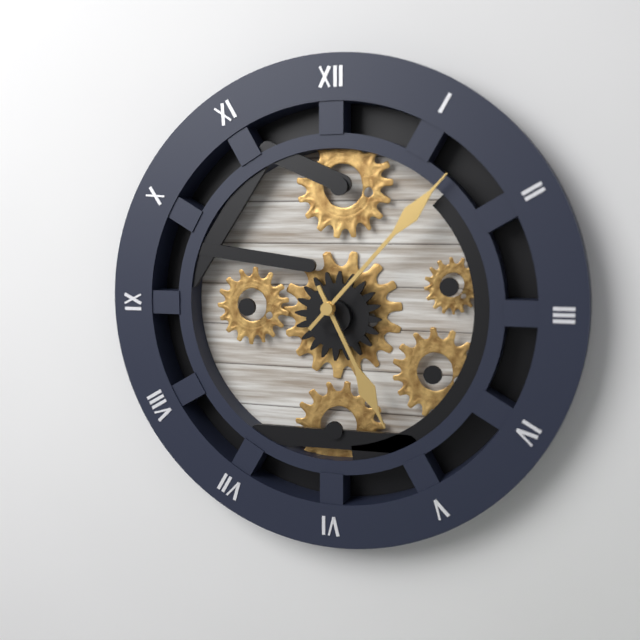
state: 5:07
